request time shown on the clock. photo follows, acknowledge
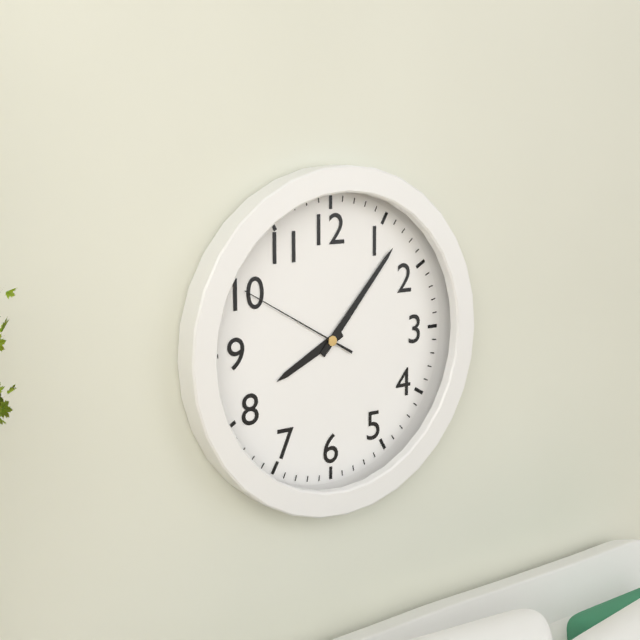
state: 8:07:50
